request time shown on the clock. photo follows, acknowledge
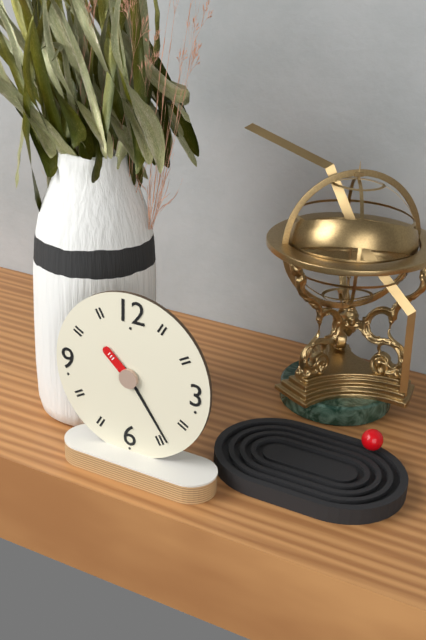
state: 10:24
